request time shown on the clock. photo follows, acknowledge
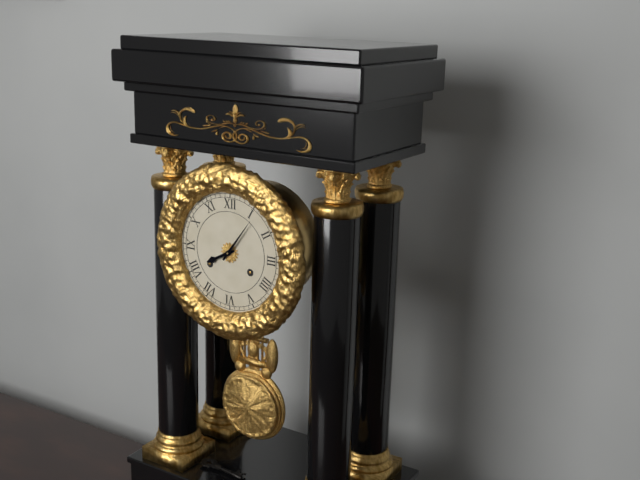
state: 8:06
